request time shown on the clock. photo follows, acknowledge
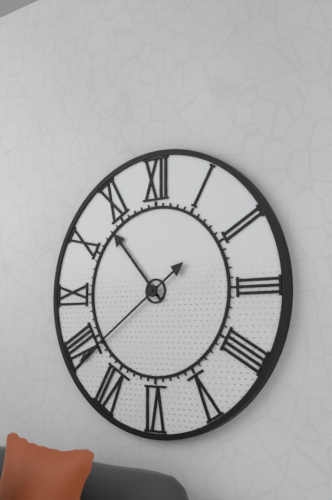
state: 10:39
